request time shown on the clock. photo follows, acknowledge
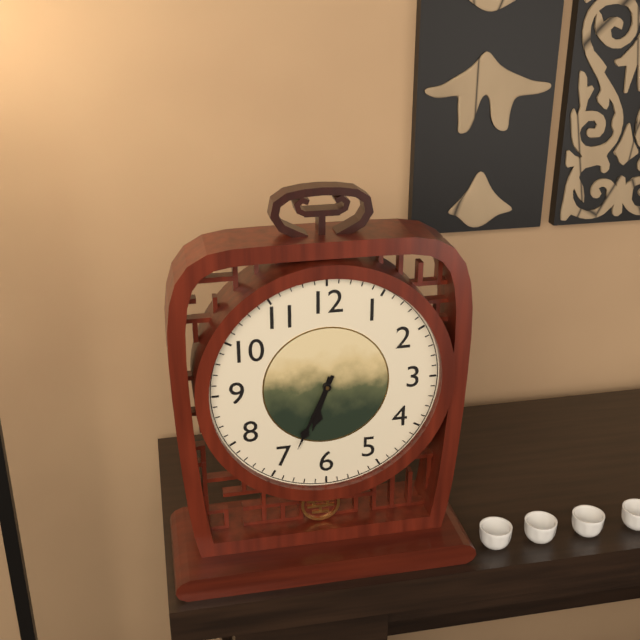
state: 6:34
